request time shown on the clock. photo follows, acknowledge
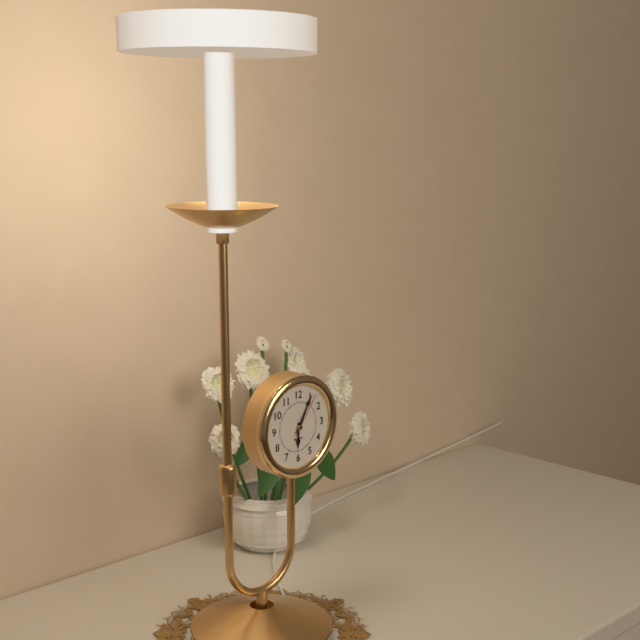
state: 6:05
